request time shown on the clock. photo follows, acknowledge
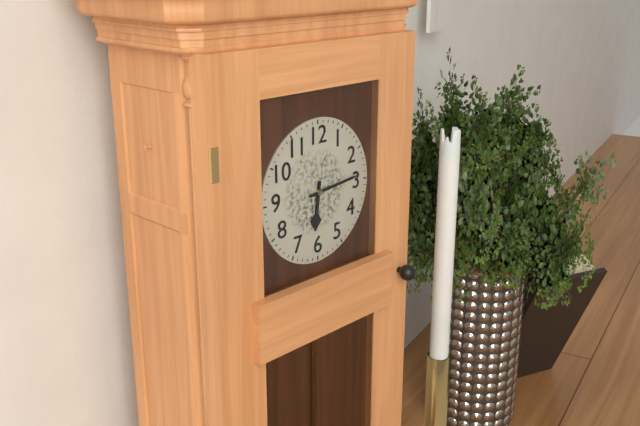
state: 6:14
